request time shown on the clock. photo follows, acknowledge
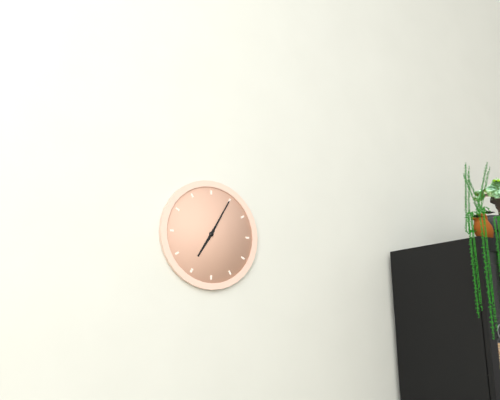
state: 7:05
